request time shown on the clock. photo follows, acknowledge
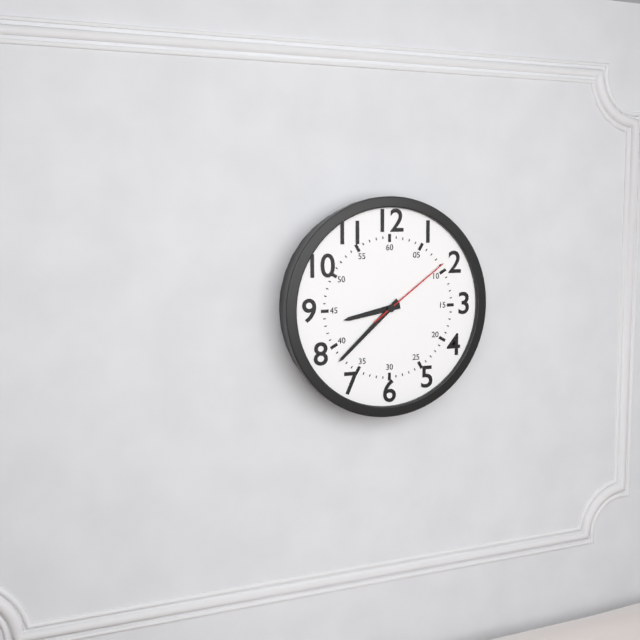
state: 8:38:09
